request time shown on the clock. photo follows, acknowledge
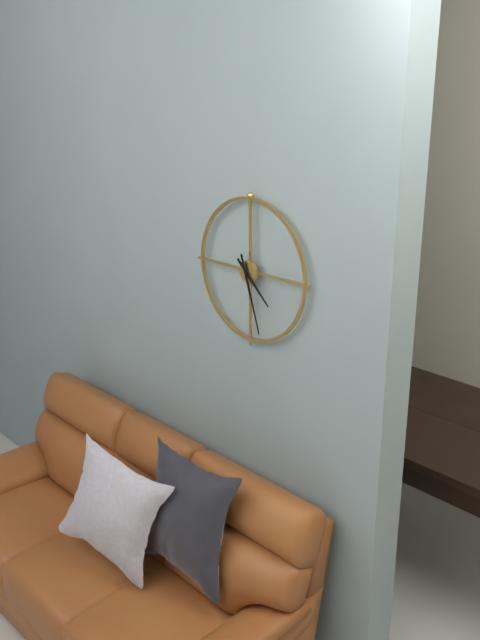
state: 4:27
